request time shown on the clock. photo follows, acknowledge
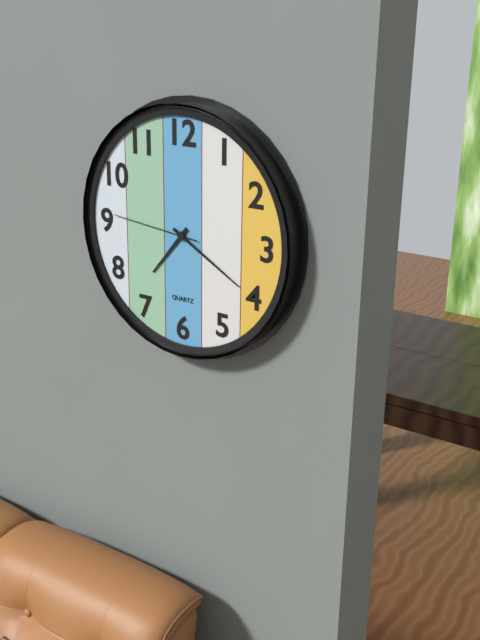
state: 7:20:46
